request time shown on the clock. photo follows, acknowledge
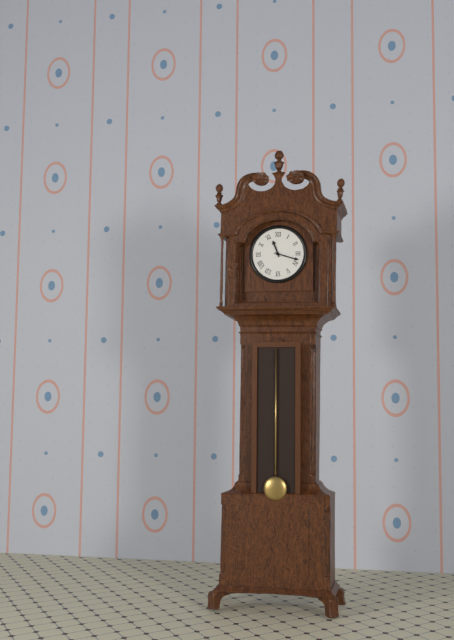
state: 11:18
